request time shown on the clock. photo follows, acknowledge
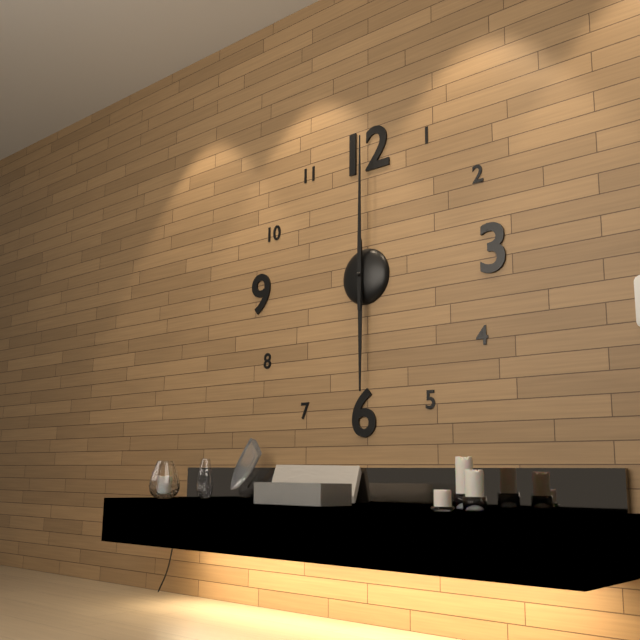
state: 6:00
